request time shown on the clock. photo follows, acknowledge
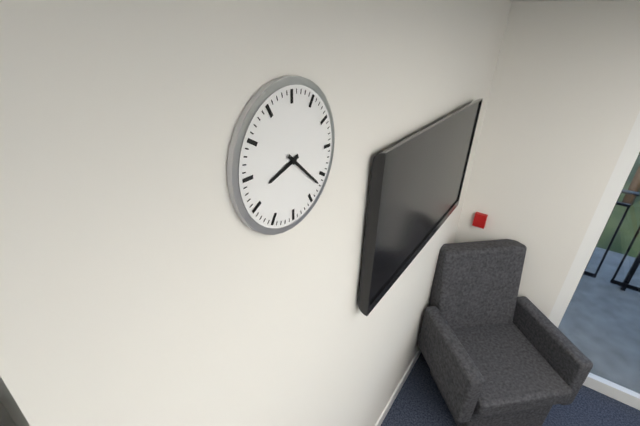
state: 8:22
